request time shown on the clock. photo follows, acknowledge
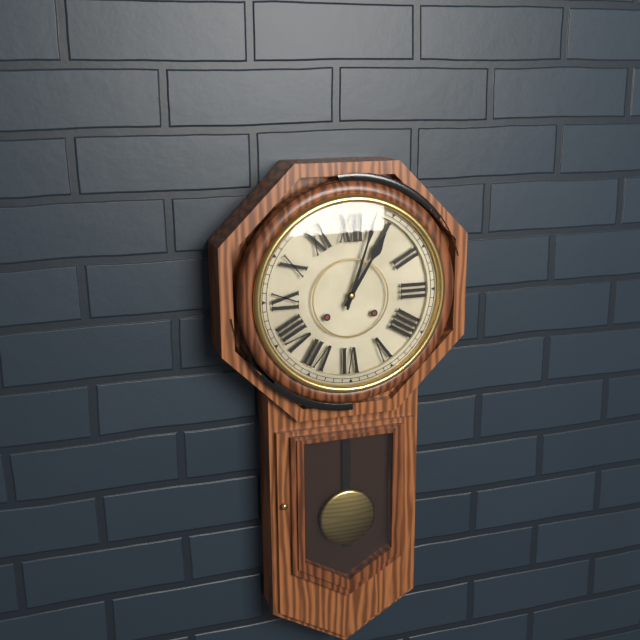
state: 1:03
